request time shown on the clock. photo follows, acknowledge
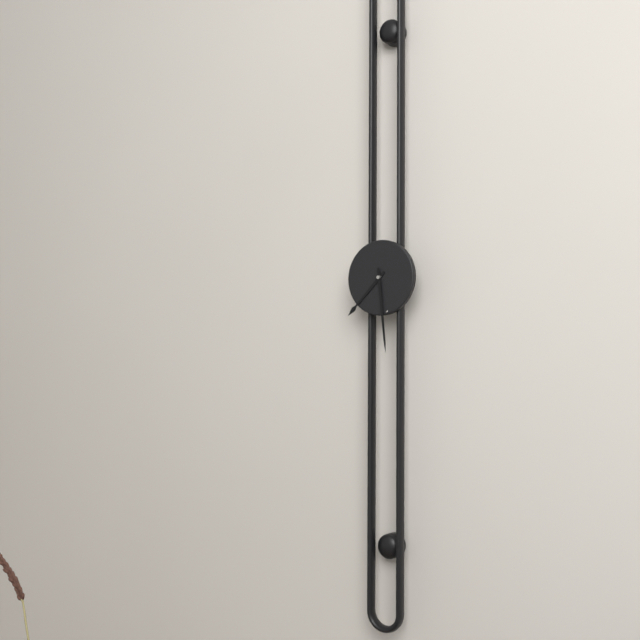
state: 7:29
